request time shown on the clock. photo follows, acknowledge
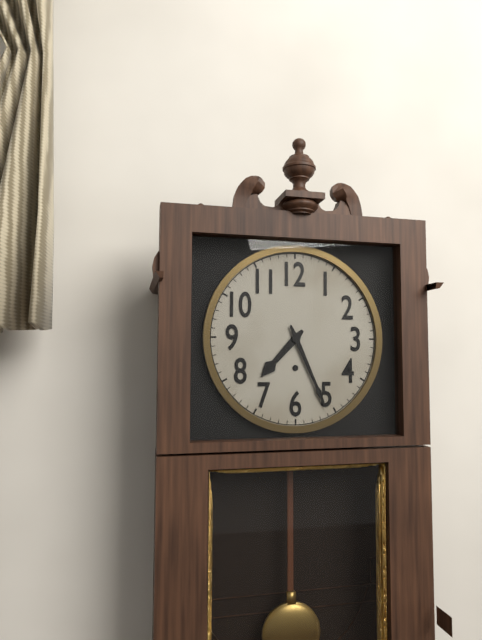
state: 7:26
